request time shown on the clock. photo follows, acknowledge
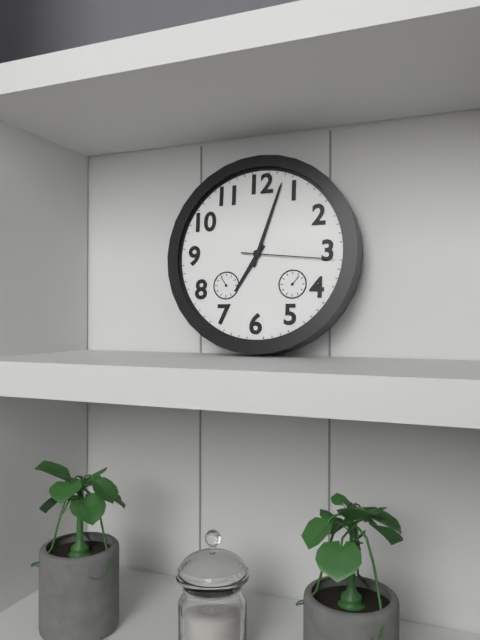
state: 7:03:16
